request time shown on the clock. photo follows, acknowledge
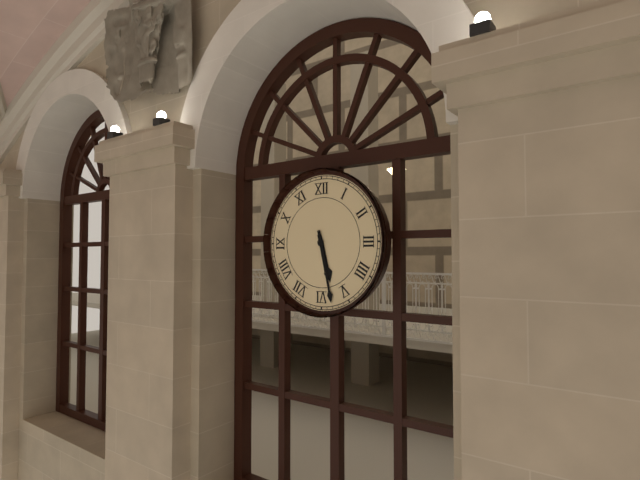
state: 5:28
